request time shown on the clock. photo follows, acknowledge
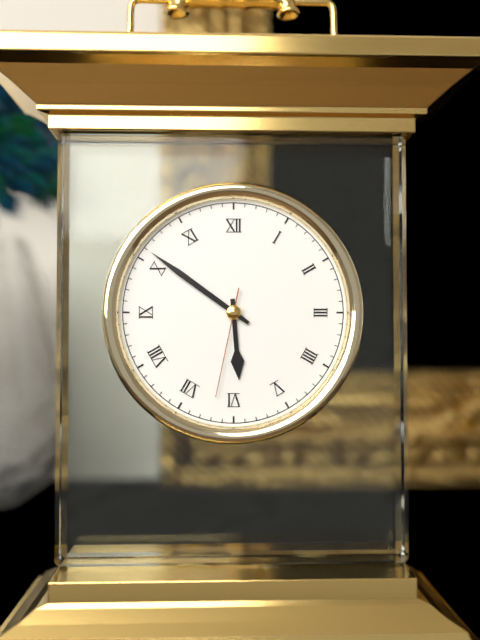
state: 5:51:32
